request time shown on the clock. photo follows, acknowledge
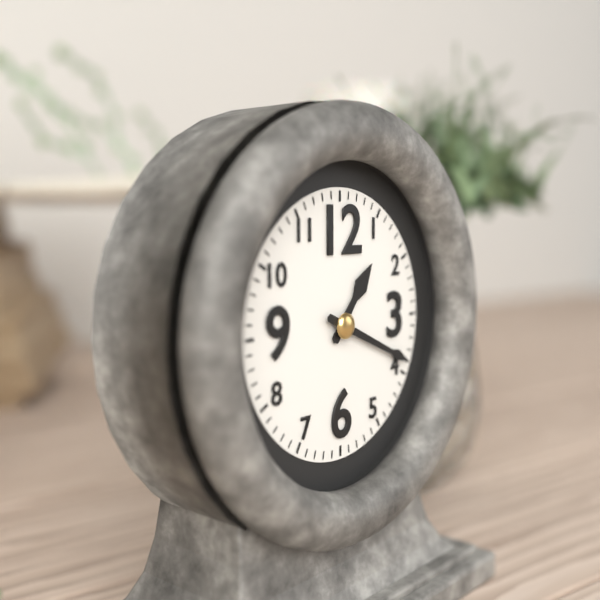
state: 1:19
